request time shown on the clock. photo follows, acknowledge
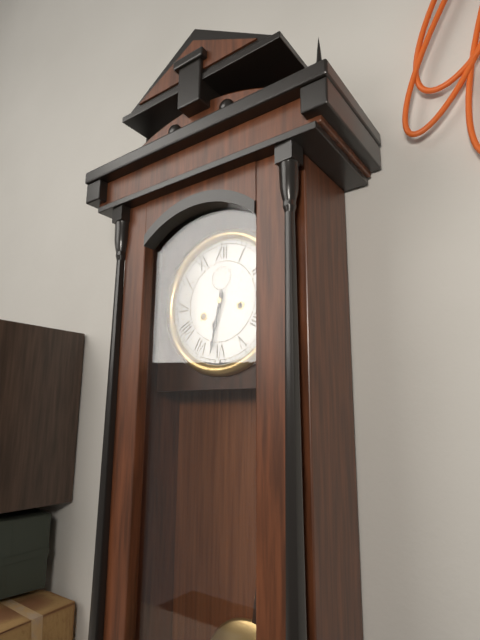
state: 6:32
